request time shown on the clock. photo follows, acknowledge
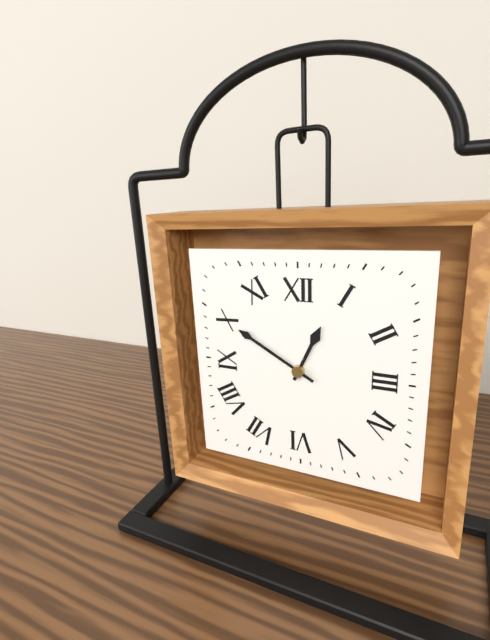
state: 12:50
